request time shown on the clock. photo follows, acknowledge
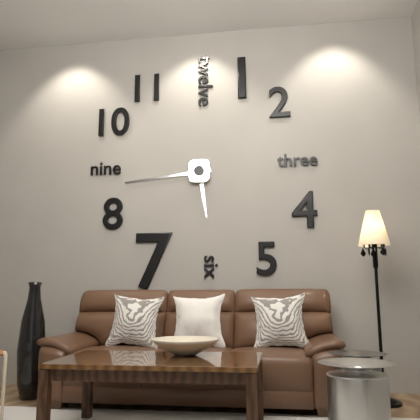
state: 5:44
